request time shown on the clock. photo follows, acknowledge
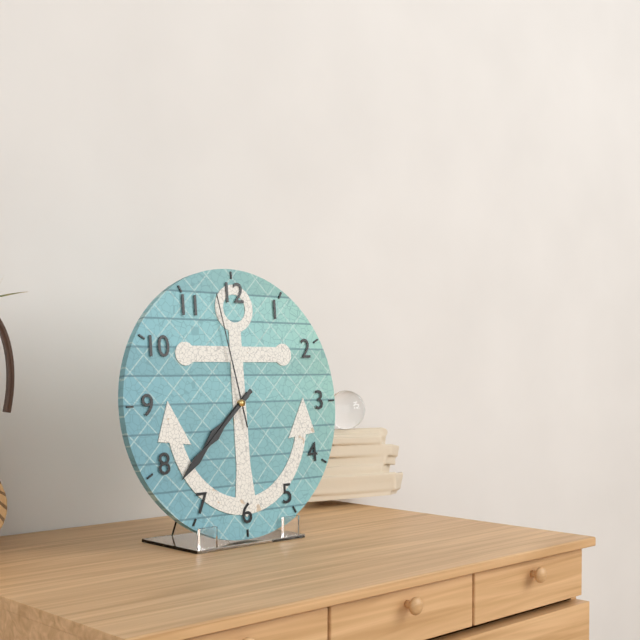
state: 7:38:58
